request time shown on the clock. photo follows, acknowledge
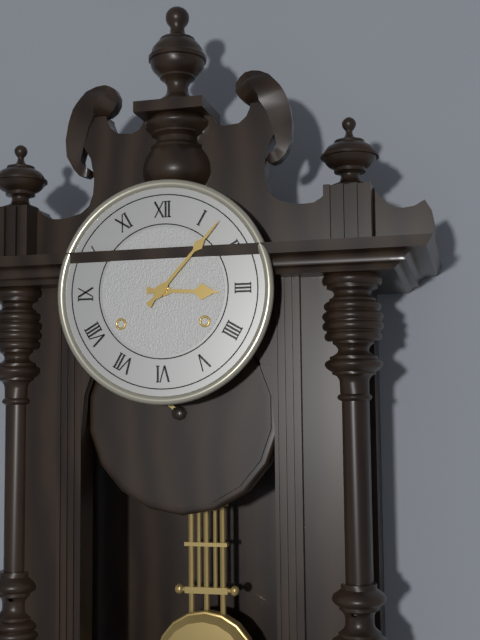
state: 3:07
